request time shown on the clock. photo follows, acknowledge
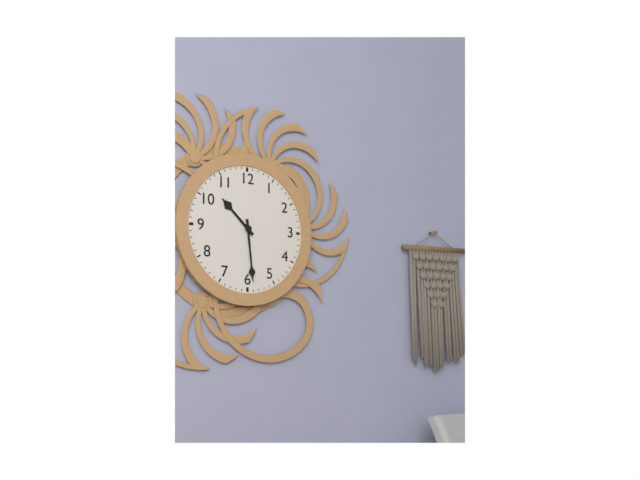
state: 10:29
